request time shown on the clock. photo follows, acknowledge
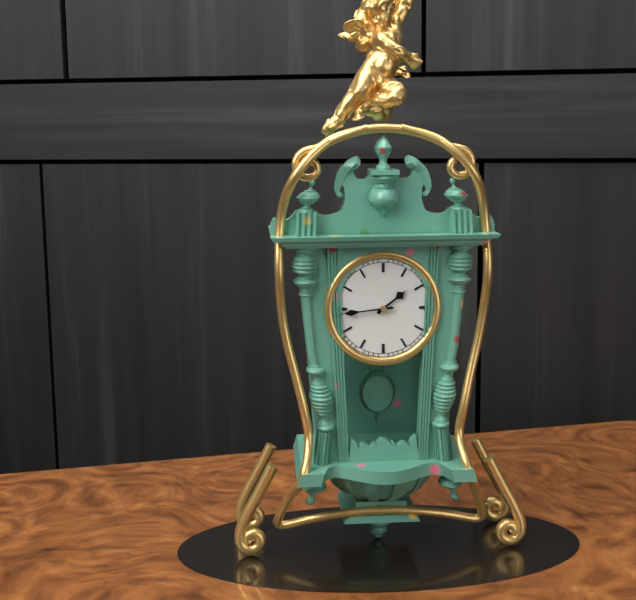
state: 1:44
